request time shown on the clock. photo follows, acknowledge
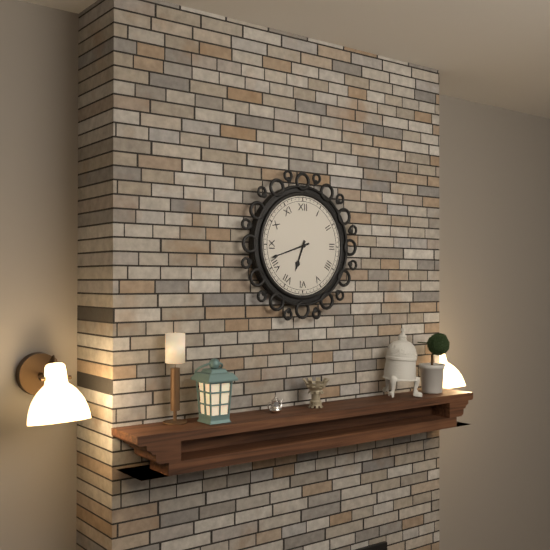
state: 6:42
